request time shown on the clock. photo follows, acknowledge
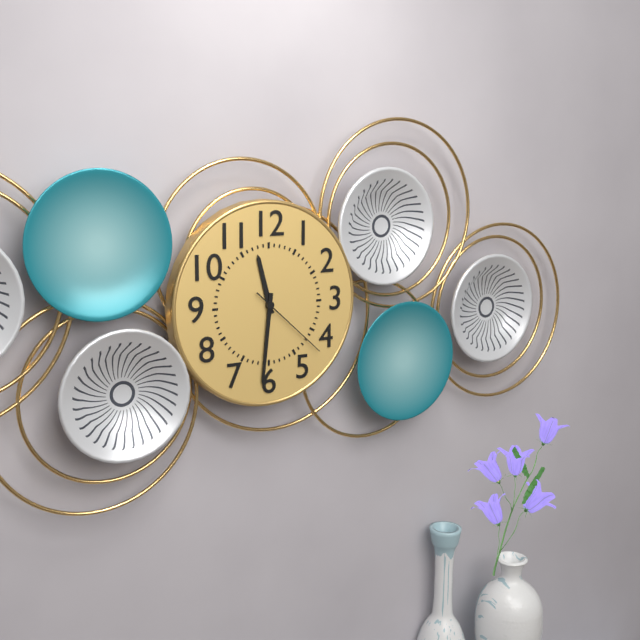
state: 11:31:22
